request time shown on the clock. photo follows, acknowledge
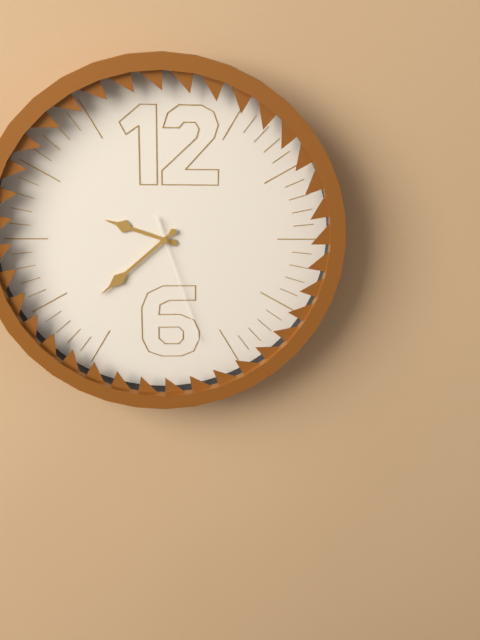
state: 9:38:27
